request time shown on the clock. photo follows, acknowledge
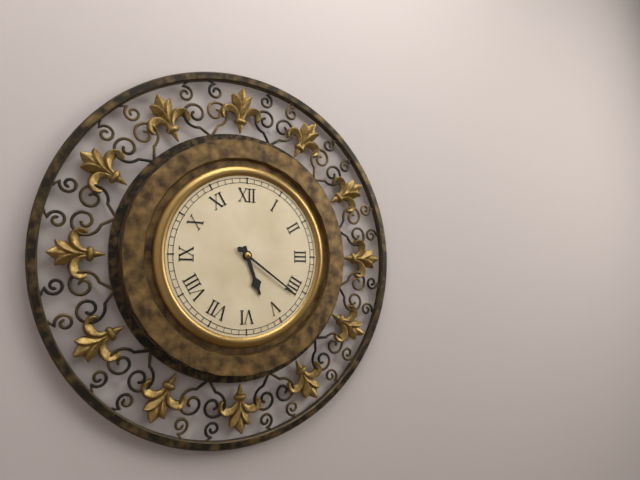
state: 5:21
